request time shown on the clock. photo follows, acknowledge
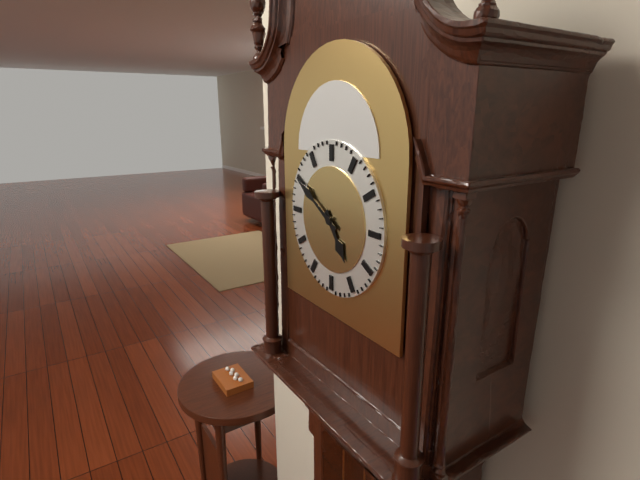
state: 4:50
